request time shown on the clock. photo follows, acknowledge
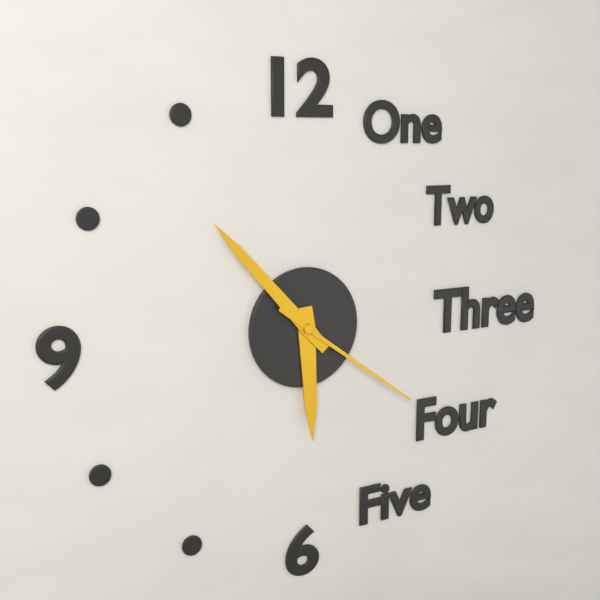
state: 5:53:21
